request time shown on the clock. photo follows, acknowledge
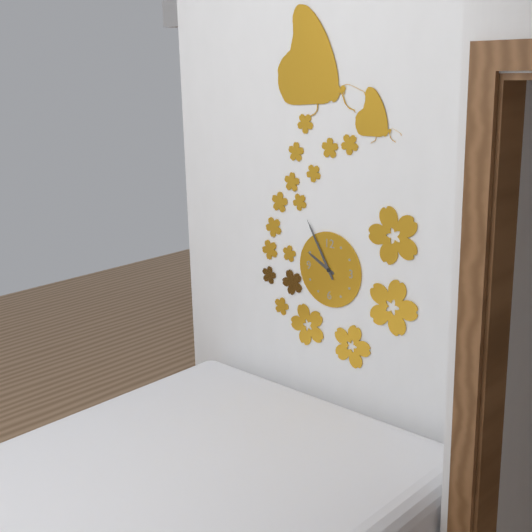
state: 9:55
